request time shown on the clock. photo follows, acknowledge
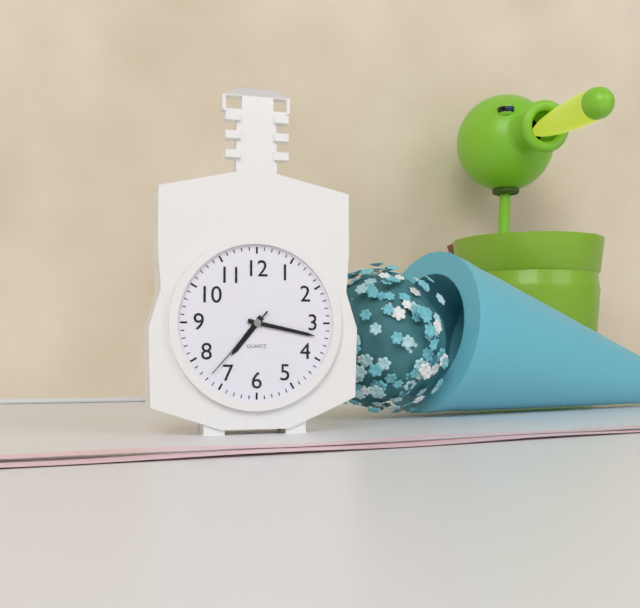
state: 7:17:37
